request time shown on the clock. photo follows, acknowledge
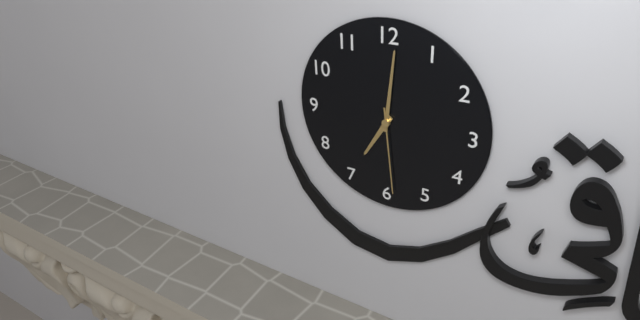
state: 7:01:29
